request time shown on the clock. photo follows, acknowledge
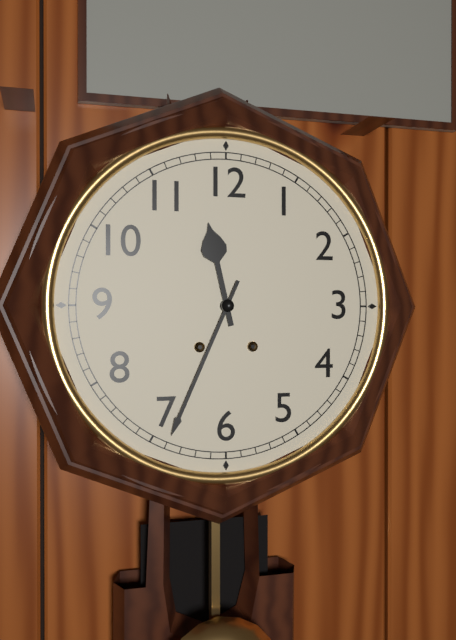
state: 11:34
